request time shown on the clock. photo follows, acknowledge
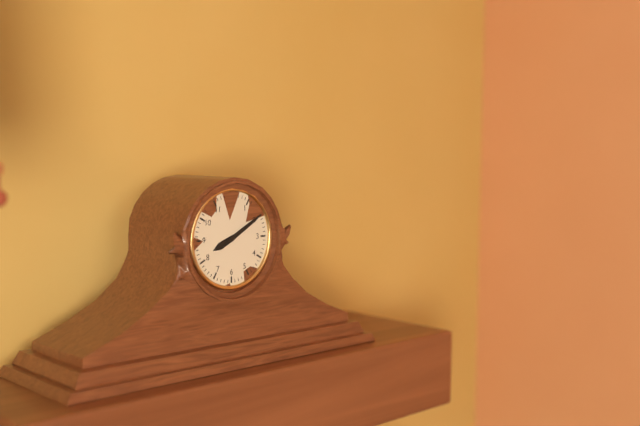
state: 8:10
